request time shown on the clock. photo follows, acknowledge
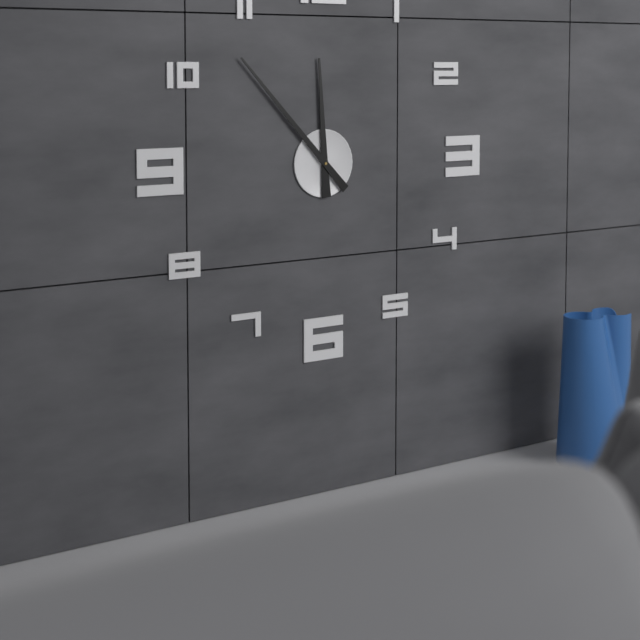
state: 11:53
